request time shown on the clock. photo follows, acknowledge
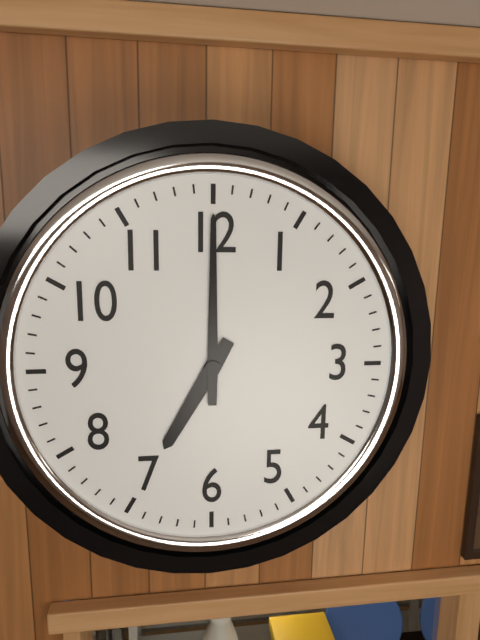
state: 7:00
